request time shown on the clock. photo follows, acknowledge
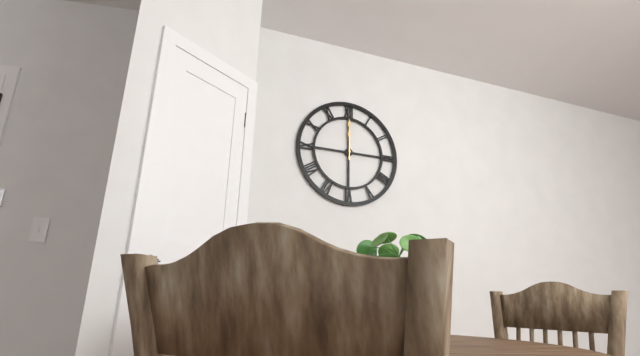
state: 12:00
